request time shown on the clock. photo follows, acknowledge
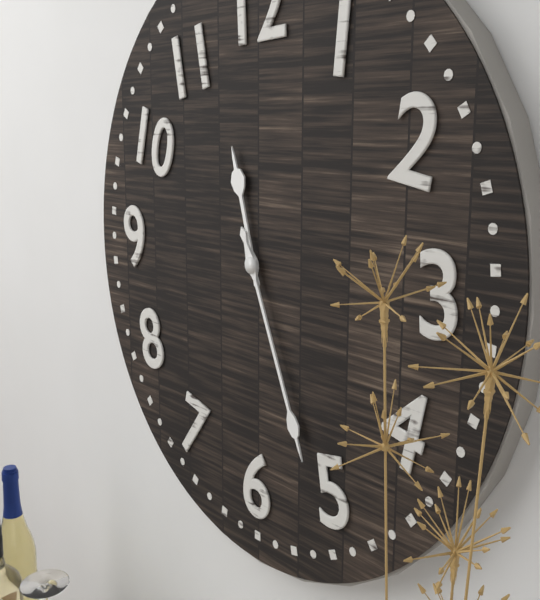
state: 11:26
